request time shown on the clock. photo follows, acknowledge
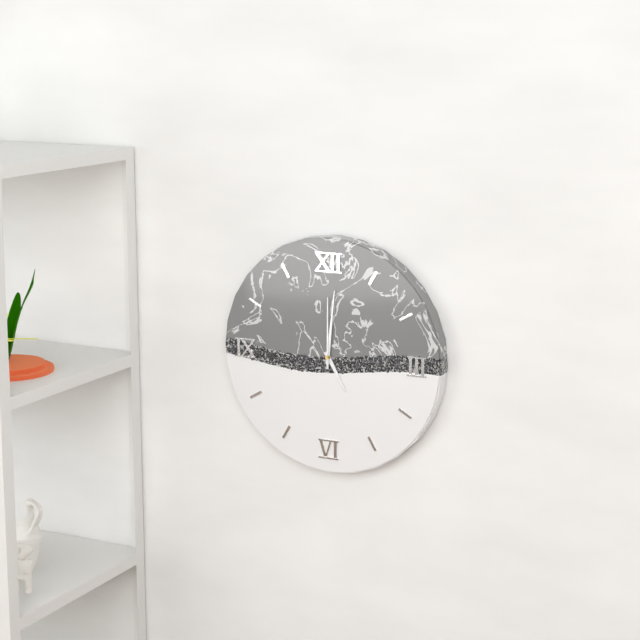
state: 5:01:00
